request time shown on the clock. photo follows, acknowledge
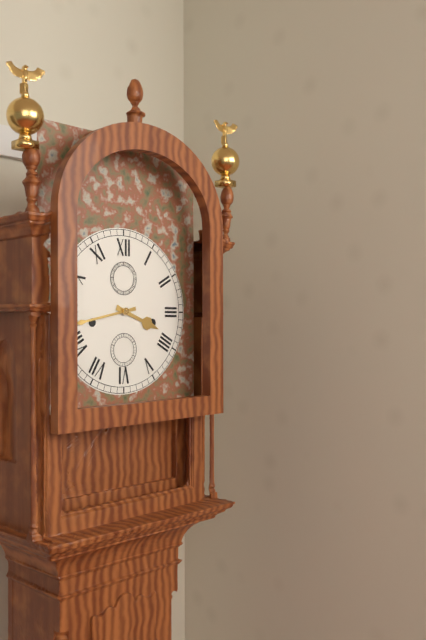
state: 3:43
